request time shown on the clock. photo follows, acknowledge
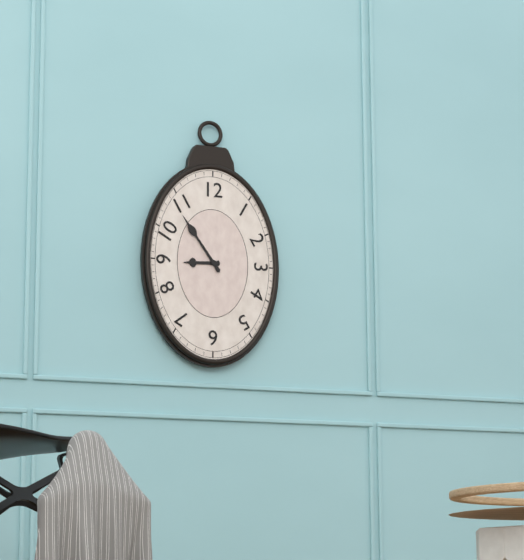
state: 8:54
